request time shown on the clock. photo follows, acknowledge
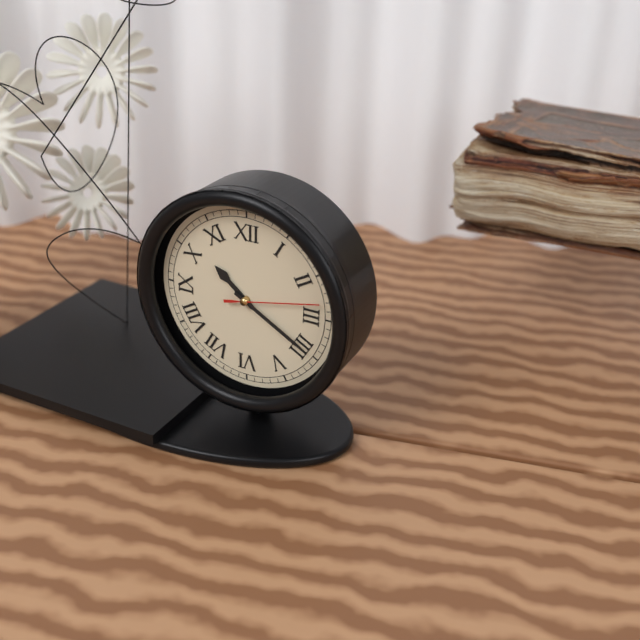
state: 10:20:13
